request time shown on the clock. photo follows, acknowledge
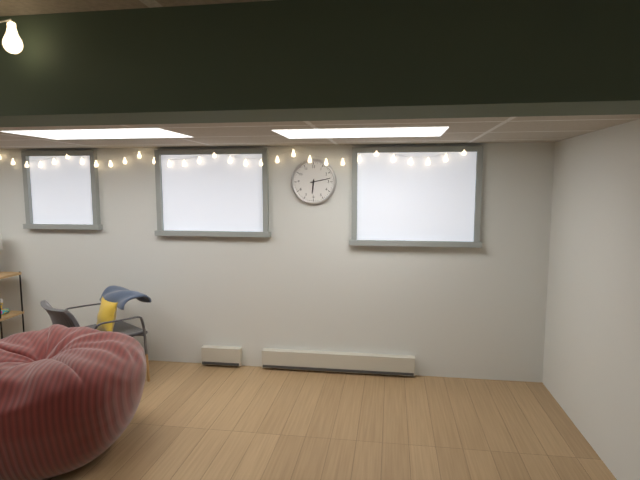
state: 6:13
